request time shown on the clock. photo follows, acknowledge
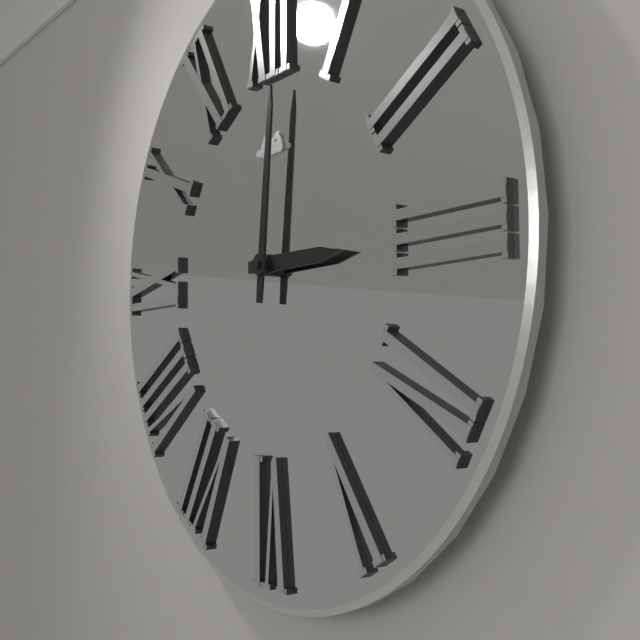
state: 3:01
